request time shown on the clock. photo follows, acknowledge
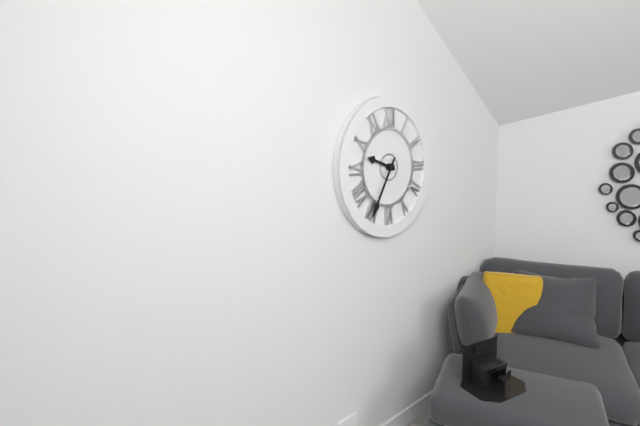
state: 9:35
